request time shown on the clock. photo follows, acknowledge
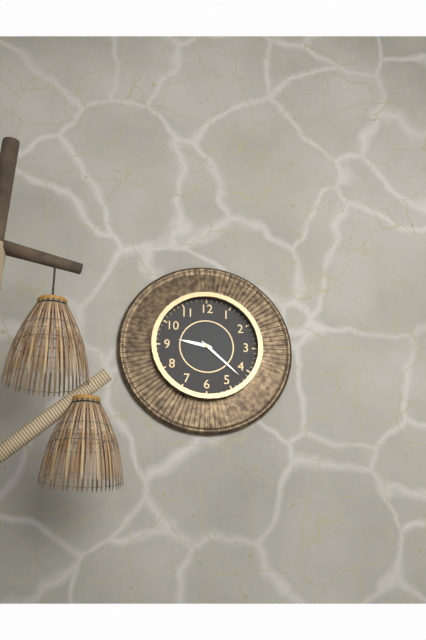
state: 9:22
